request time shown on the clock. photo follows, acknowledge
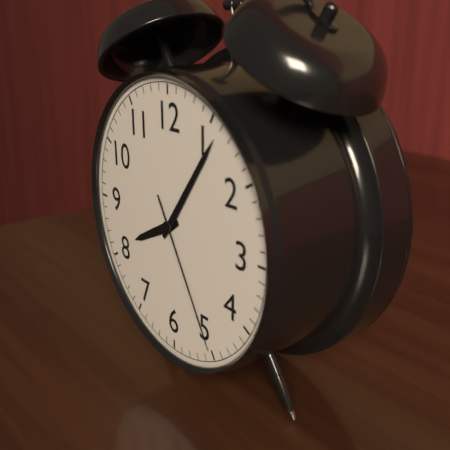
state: 8:06:25
